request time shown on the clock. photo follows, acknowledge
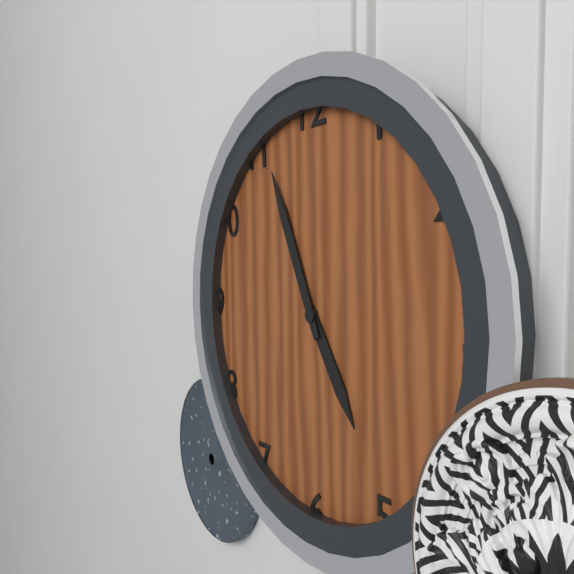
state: 4:56
